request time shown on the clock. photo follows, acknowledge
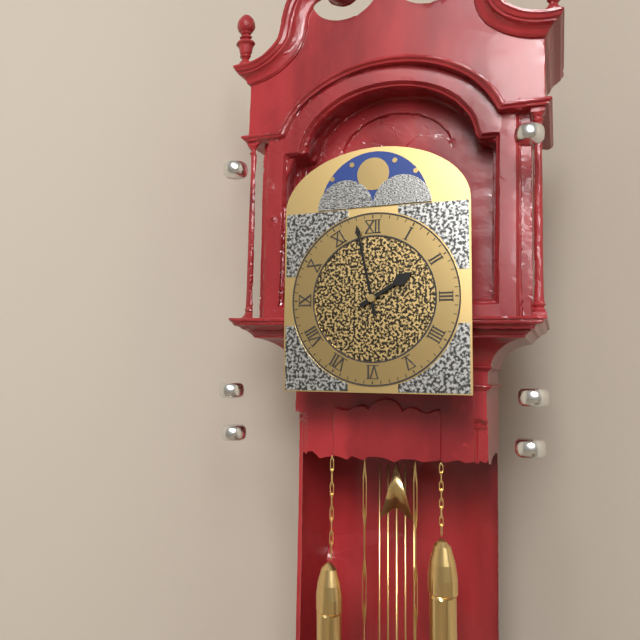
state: 1:58
